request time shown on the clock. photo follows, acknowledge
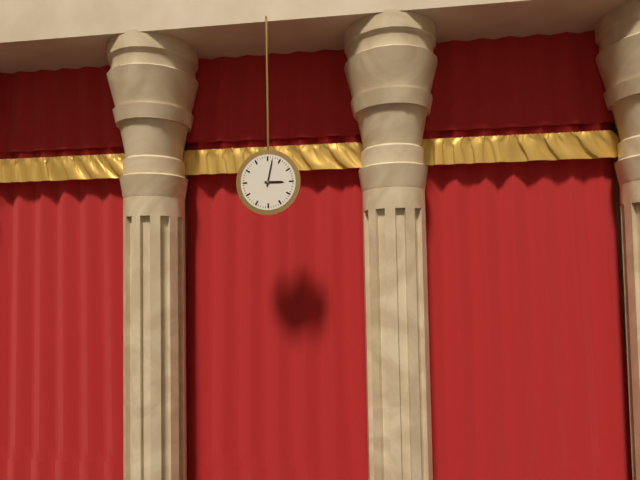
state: 3:02
